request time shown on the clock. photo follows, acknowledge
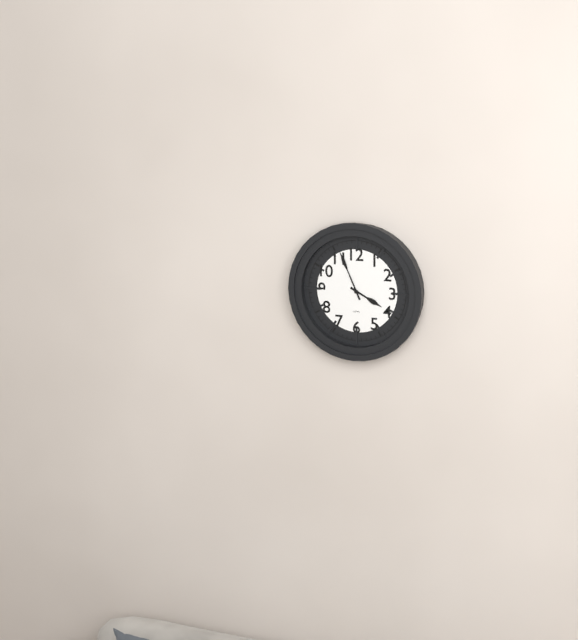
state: 3:56
